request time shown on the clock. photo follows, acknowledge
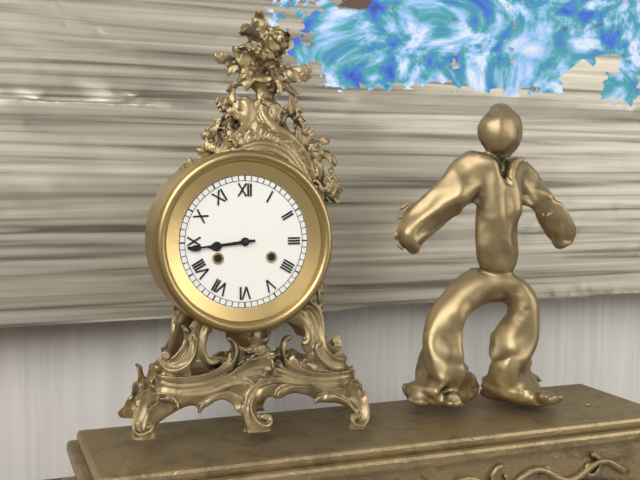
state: 8:44
